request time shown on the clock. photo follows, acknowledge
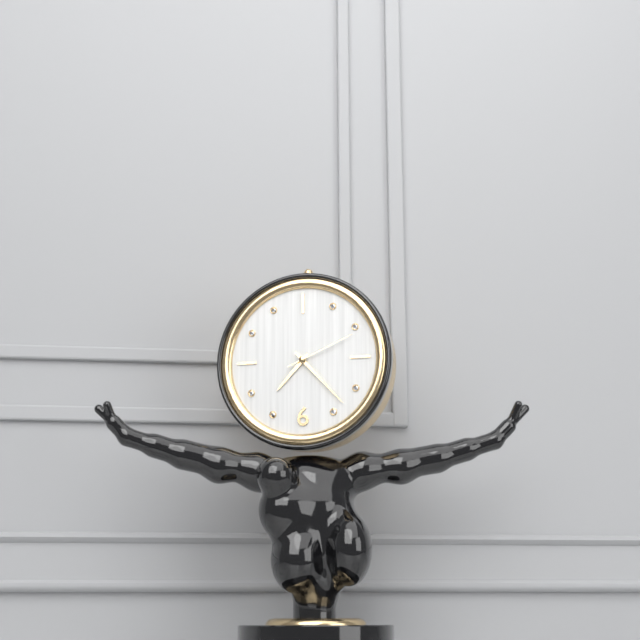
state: 7:23:11
